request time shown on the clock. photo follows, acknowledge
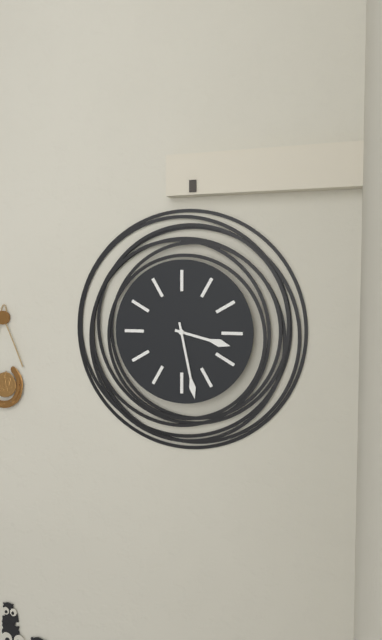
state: 3:28
